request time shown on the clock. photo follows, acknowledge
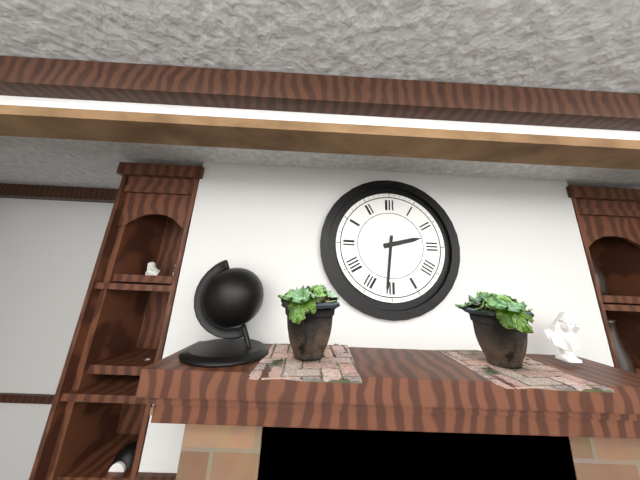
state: 2:31
